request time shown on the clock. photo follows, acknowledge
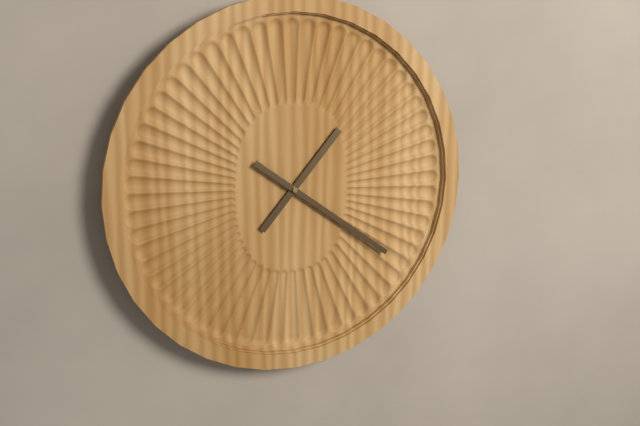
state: 1:21
